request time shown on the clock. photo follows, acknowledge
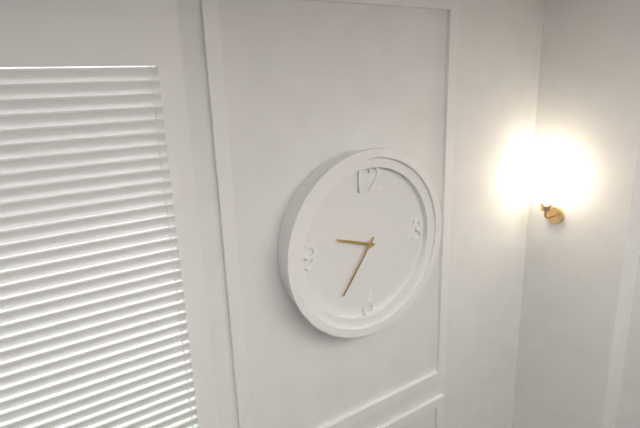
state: 9:36
